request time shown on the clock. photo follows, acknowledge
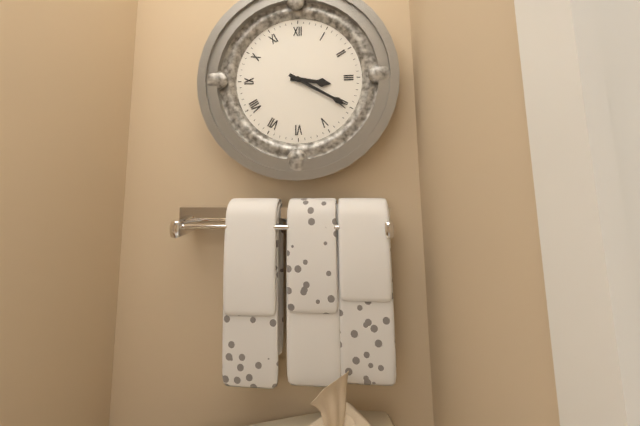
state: 3:20
